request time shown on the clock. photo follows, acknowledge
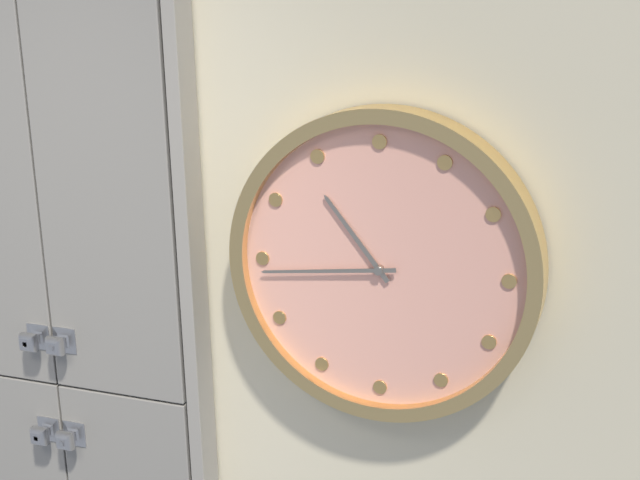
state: 10:44
